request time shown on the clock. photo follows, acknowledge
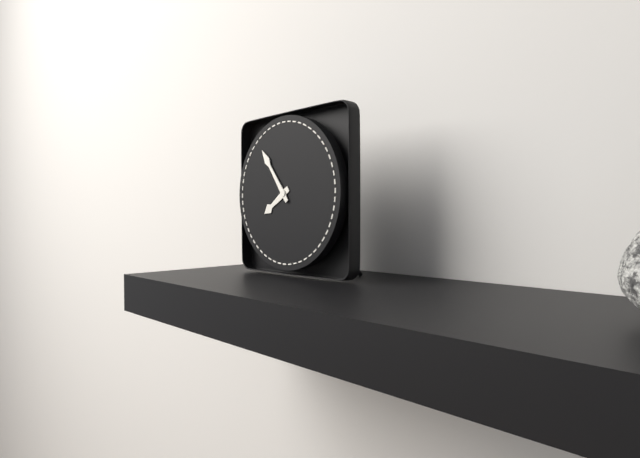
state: 7:54
